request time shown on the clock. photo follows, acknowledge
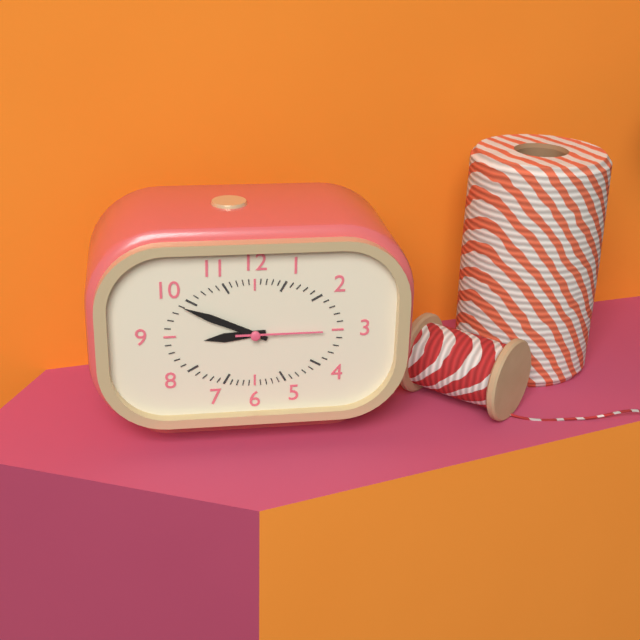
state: 8:49:15
